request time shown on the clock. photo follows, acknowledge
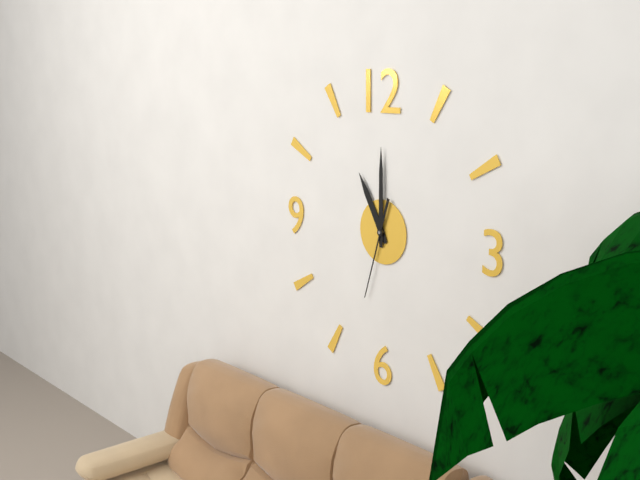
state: 11:00:33
